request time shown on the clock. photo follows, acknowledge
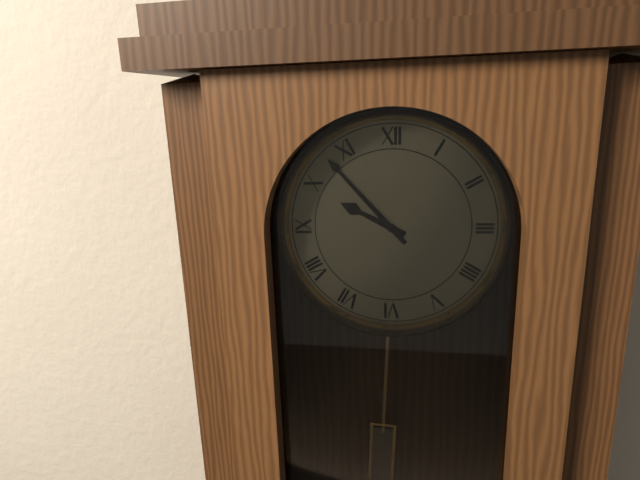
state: 9:53
